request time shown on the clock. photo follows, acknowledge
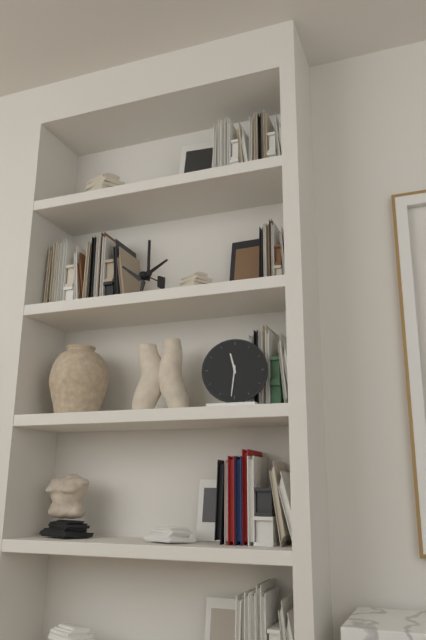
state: 11:31
